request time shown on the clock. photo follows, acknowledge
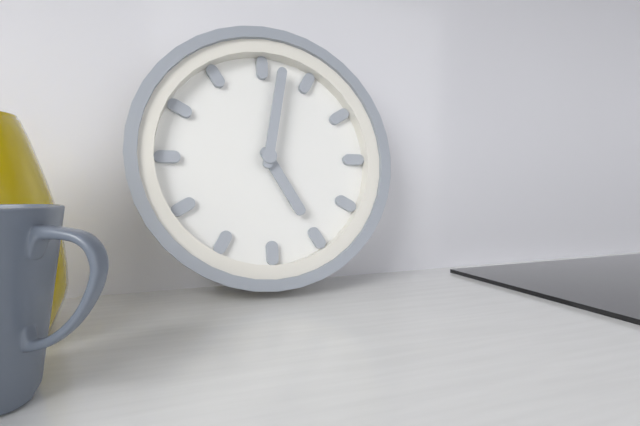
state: 5:02
